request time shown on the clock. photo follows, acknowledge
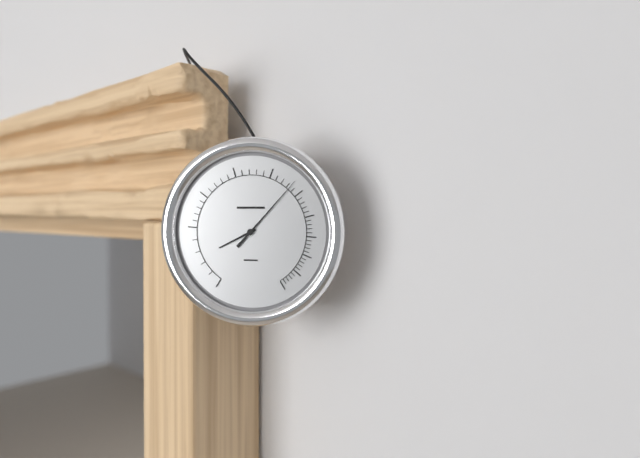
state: 8:07
